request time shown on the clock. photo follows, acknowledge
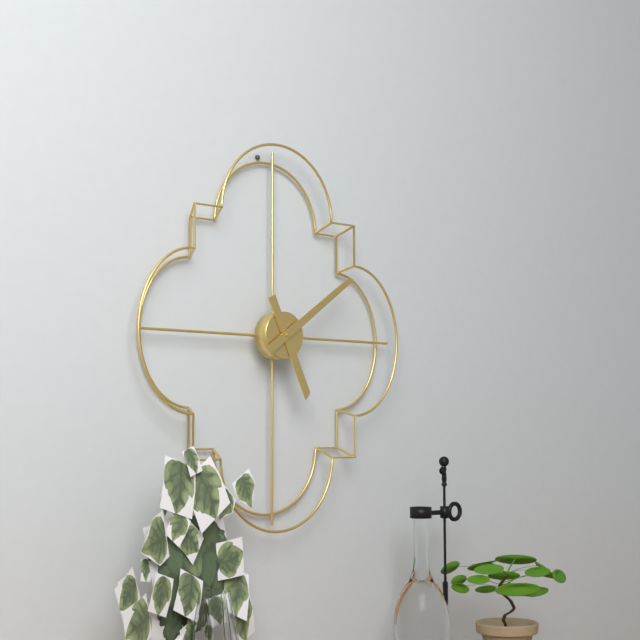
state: 5:09
